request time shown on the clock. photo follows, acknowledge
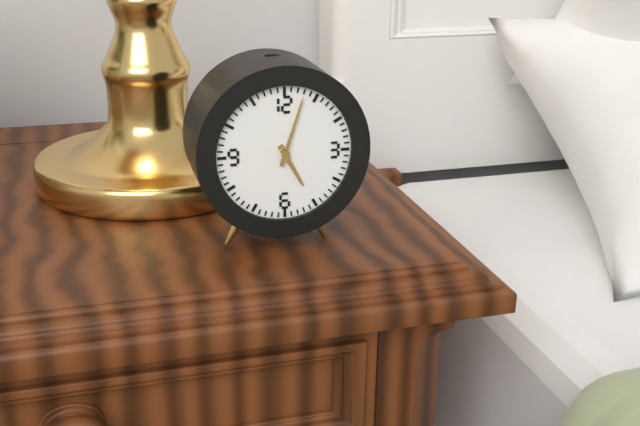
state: 5:03
